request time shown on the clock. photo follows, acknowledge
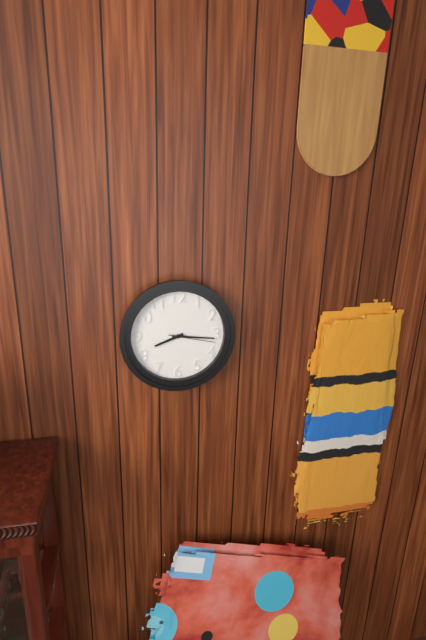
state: 8:16
